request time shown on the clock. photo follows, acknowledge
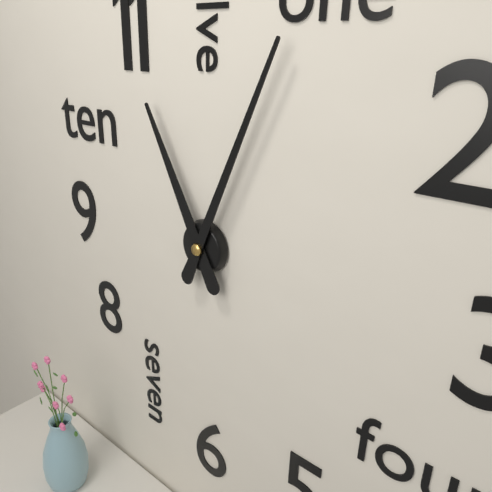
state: 11:04
